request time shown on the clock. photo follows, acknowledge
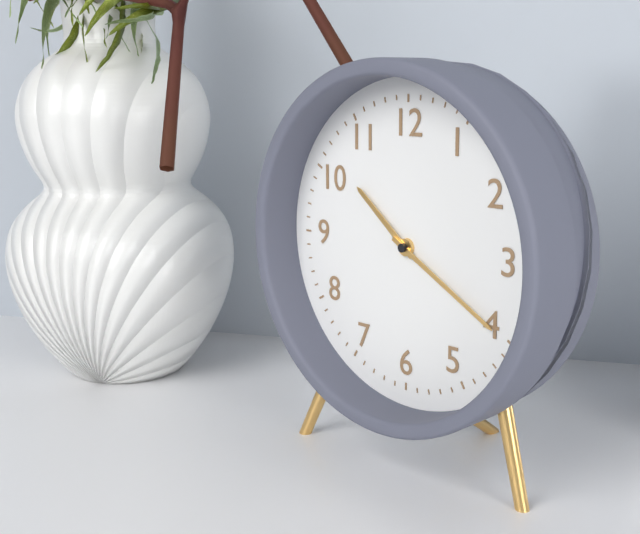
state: 10:20
